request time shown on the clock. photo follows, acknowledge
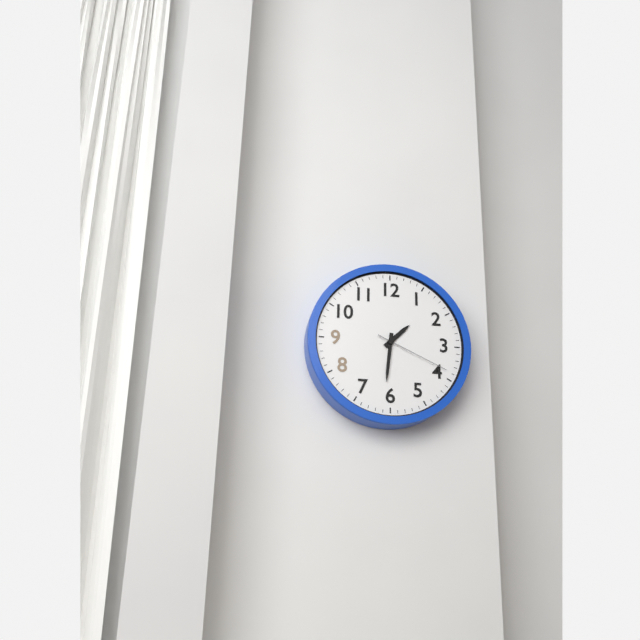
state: 1:31:19
